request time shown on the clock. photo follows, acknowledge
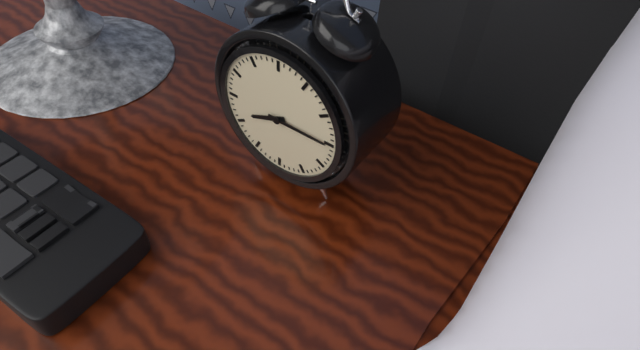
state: 8:15
